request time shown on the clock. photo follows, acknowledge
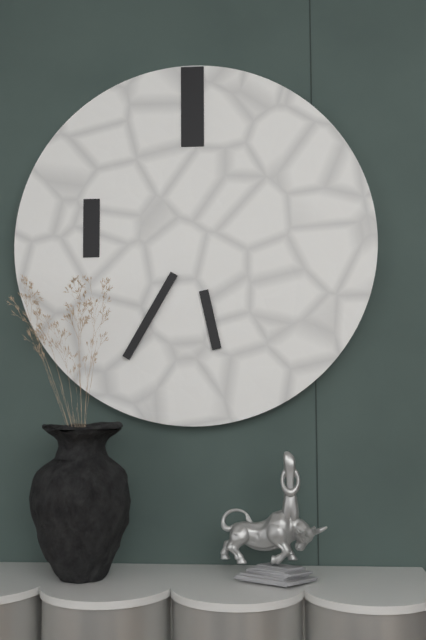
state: 5:35
